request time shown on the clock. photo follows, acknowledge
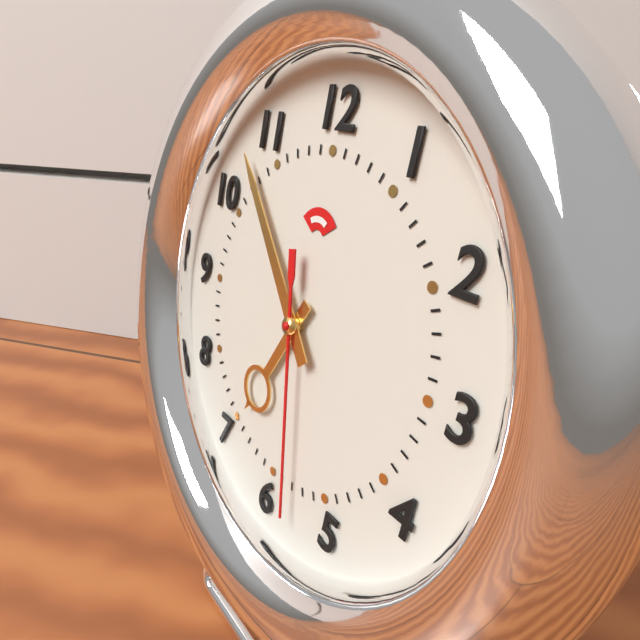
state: 6:53:28
